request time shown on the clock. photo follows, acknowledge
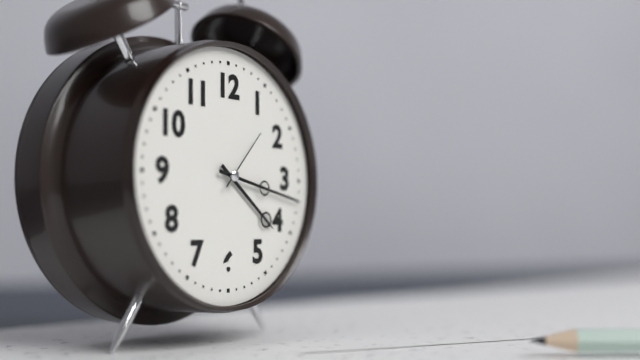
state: 4:17:07
